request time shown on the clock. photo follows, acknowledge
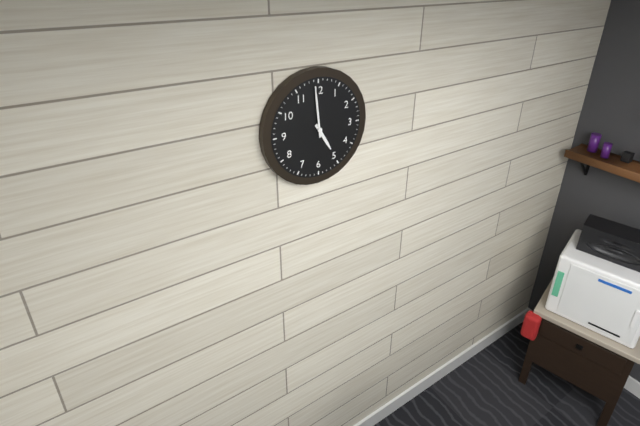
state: 4:59
